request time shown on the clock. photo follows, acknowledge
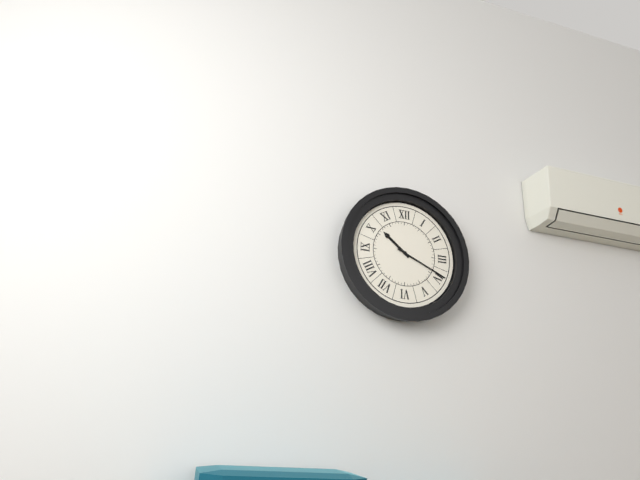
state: 10:19
